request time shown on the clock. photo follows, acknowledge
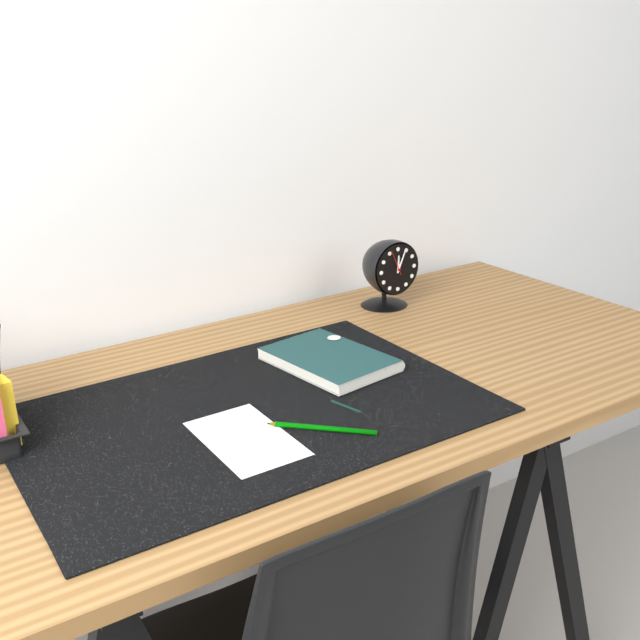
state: 12:04
